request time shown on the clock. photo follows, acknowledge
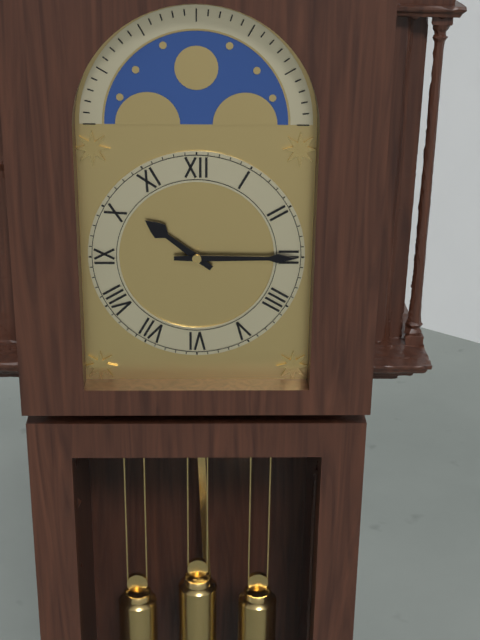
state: 10:15
